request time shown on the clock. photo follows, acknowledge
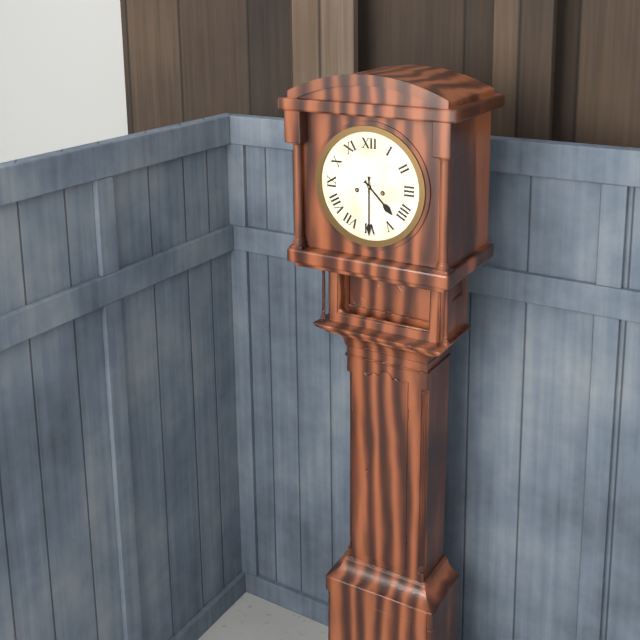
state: 4:30
